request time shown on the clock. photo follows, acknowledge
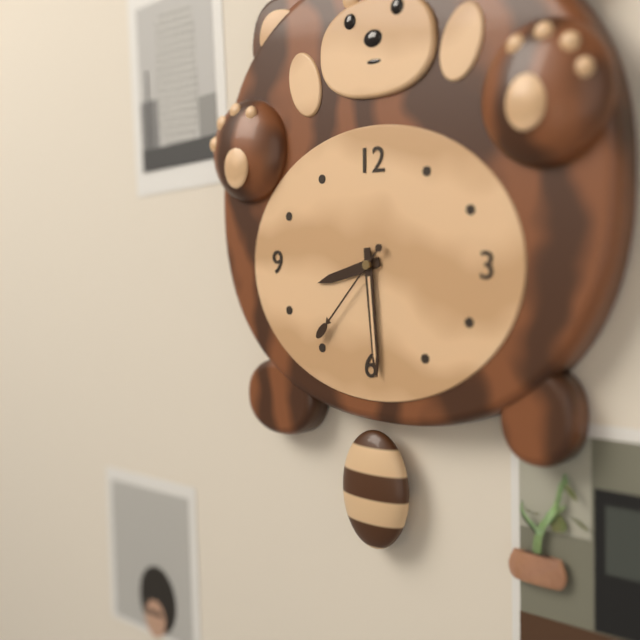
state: 8:29:37
